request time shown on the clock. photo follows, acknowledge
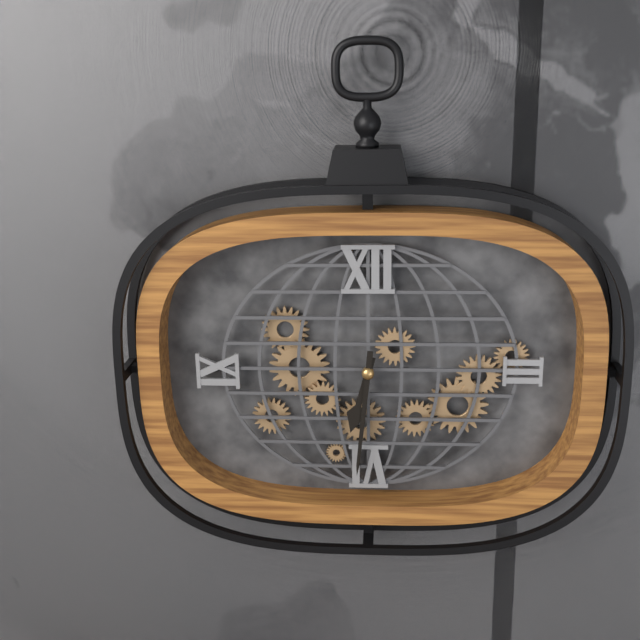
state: 6:31
